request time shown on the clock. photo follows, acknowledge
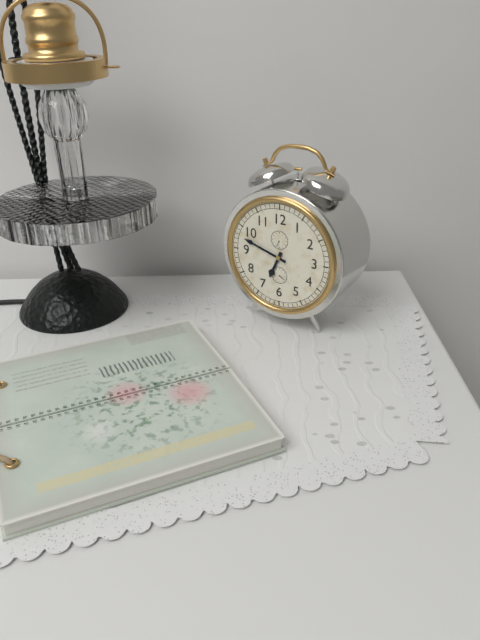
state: 6:48
